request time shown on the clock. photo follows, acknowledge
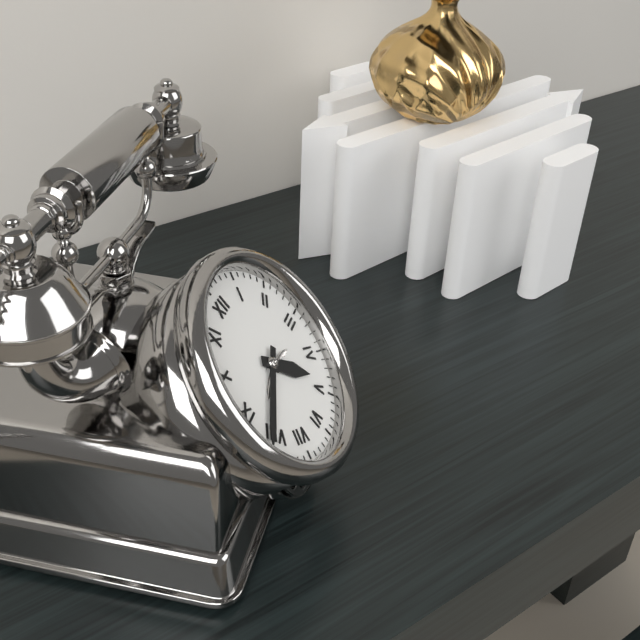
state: 4:41
